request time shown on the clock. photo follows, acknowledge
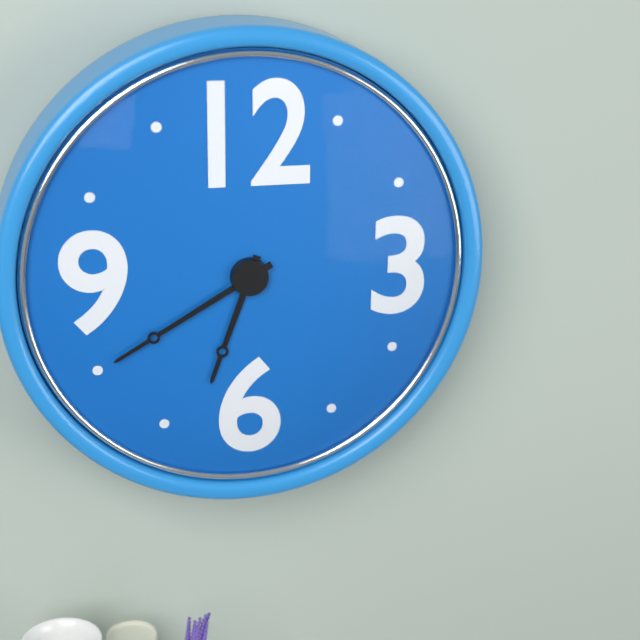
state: 6:40
